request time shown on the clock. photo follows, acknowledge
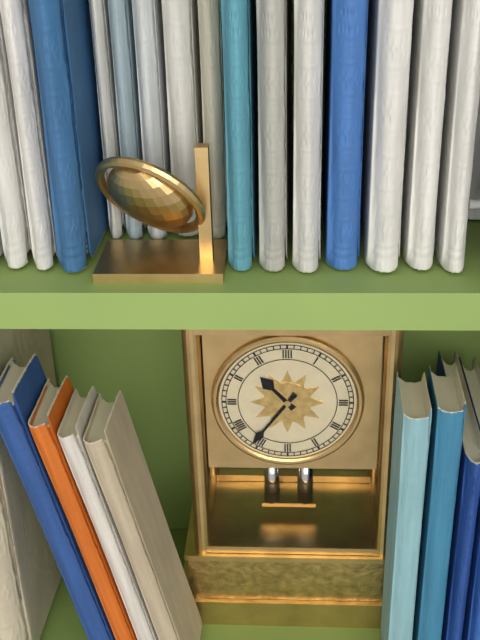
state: 10:36
